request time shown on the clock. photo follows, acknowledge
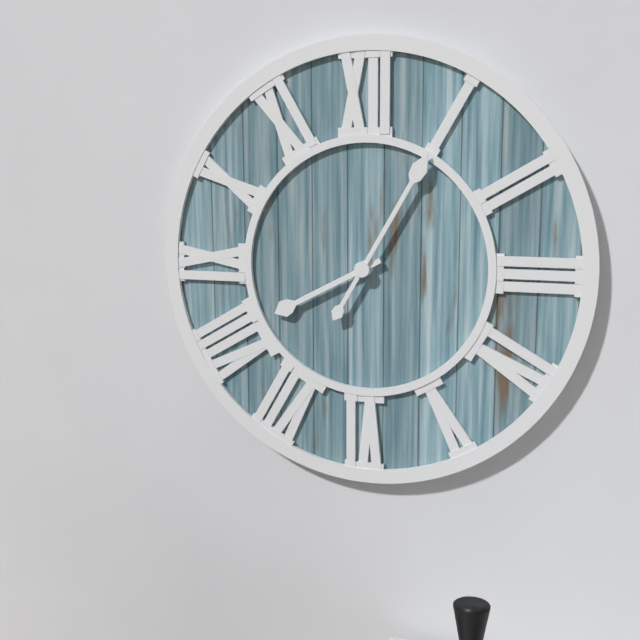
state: 8:05
